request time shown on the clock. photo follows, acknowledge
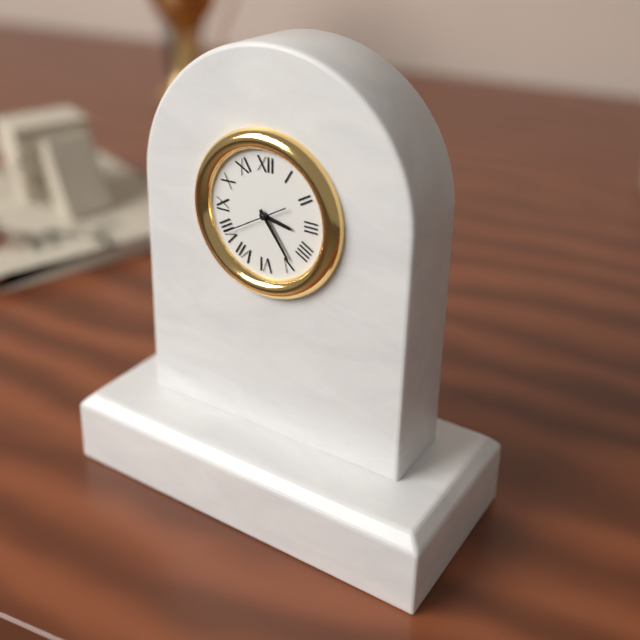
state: 3:24:40
